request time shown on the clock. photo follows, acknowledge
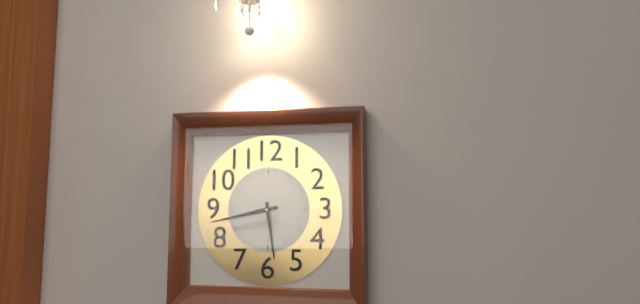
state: 5:43
